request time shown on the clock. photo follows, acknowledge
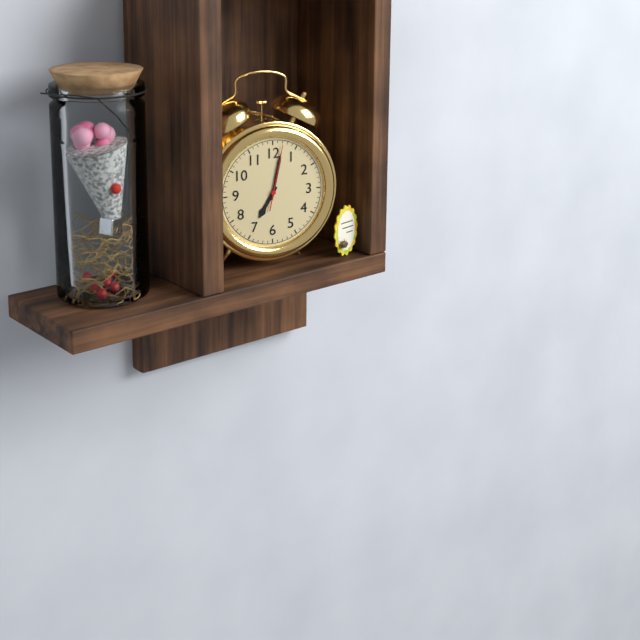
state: 7:02:02
